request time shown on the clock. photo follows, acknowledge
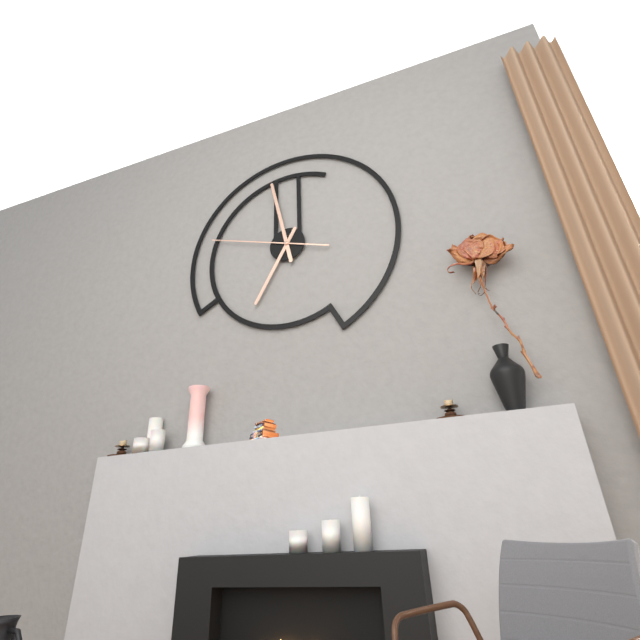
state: 6:58:48
